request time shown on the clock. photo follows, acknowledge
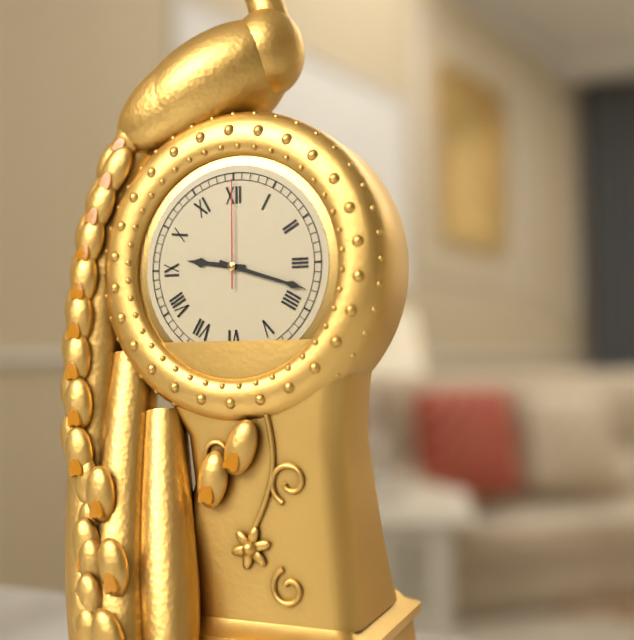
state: 9:18:00
